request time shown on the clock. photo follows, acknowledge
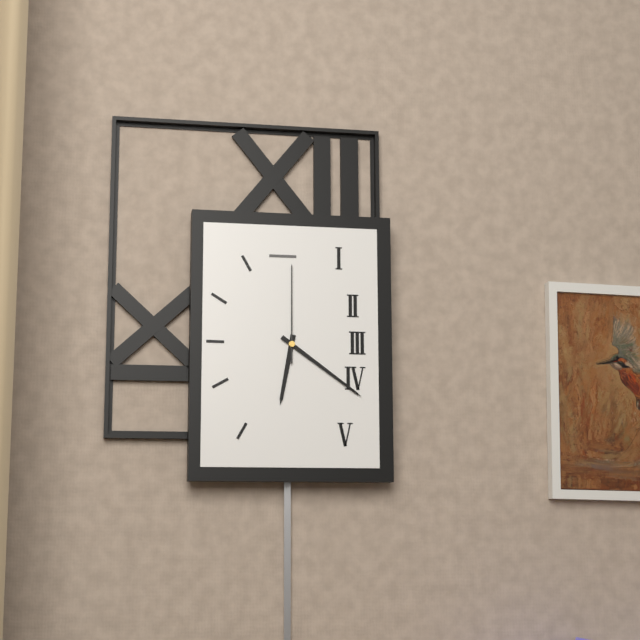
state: 6:21:00
